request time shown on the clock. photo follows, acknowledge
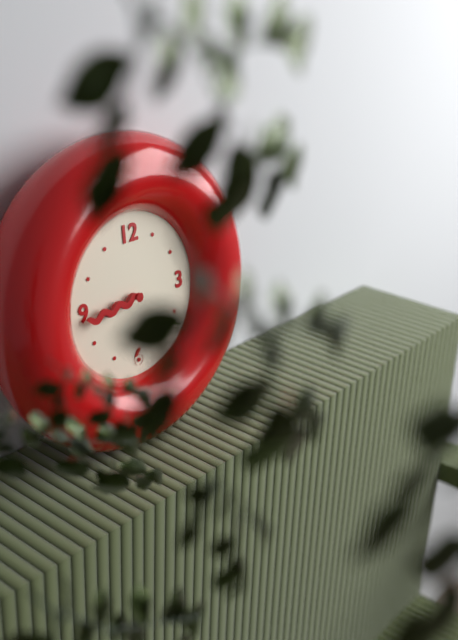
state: 8:44
